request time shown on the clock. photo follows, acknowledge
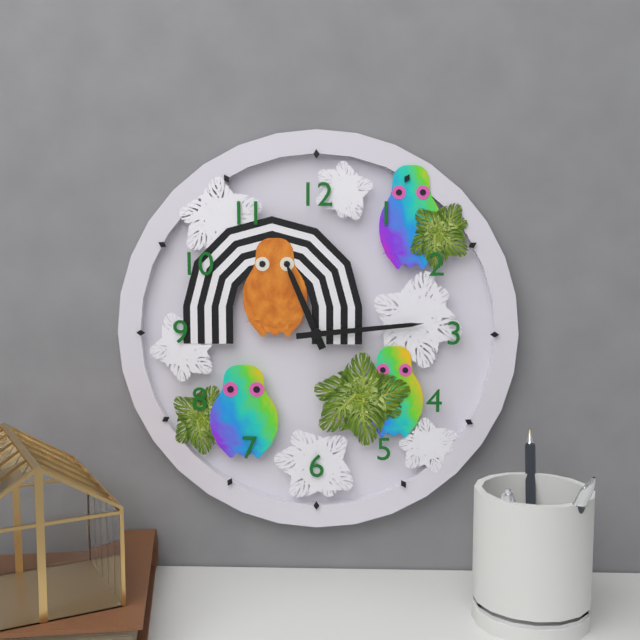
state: 11:14
